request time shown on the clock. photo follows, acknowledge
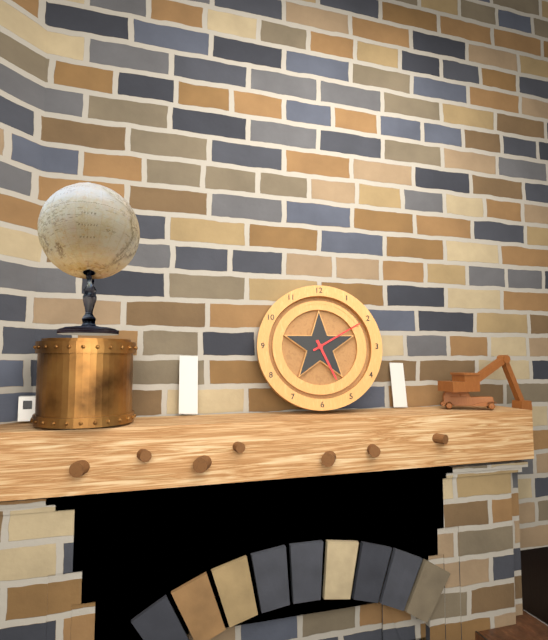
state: 5:10
